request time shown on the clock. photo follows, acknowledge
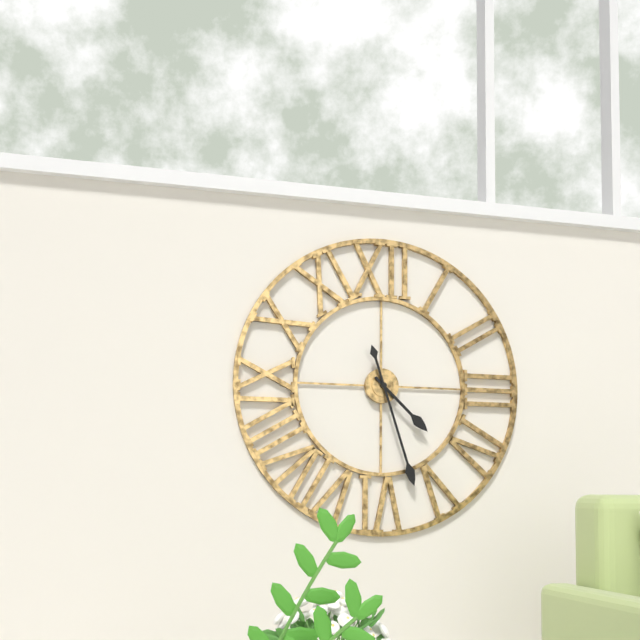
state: 4:27
